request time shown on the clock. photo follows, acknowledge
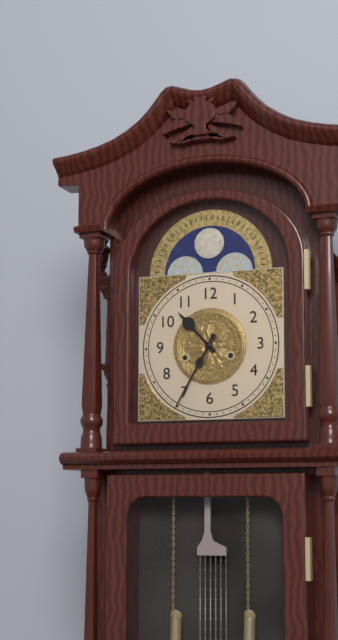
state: 10:35
